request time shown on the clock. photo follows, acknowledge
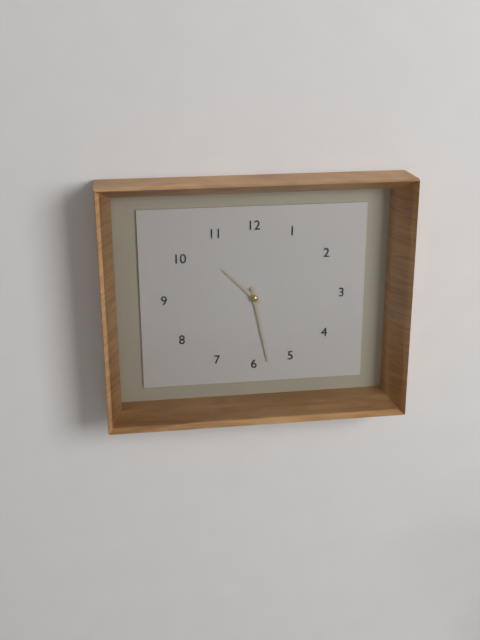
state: 10:28
